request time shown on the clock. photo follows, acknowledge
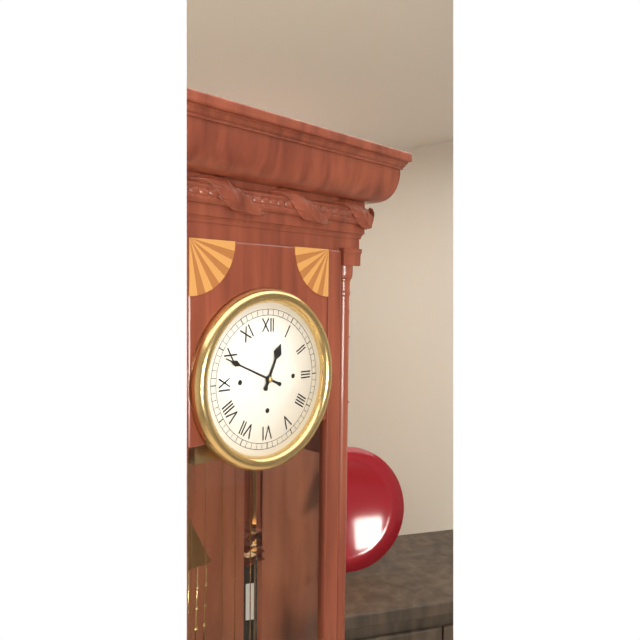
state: 12:49
